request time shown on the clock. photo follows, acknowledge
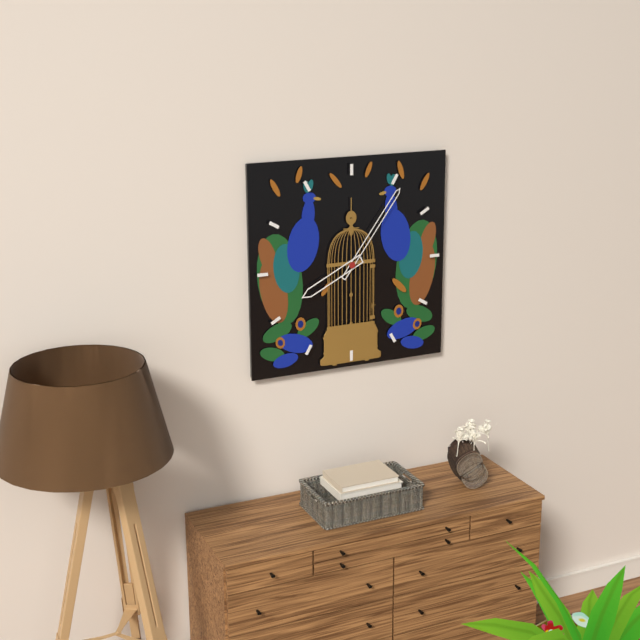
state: 8:06
